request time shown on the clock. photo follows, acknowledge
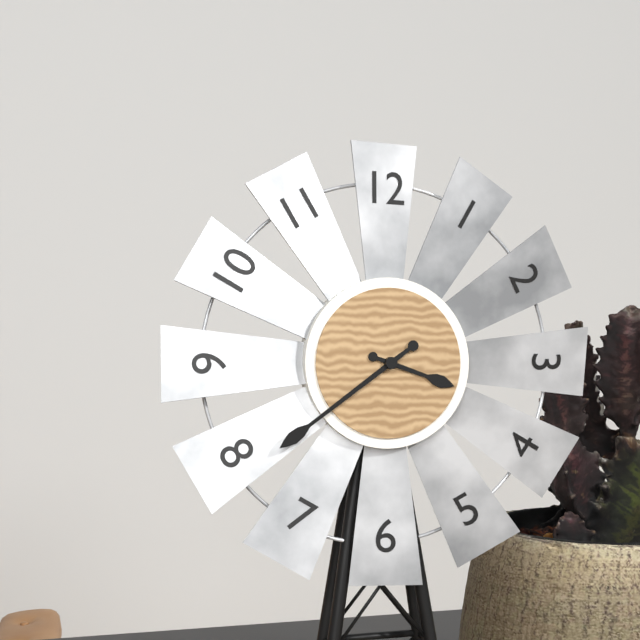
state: 3:39
